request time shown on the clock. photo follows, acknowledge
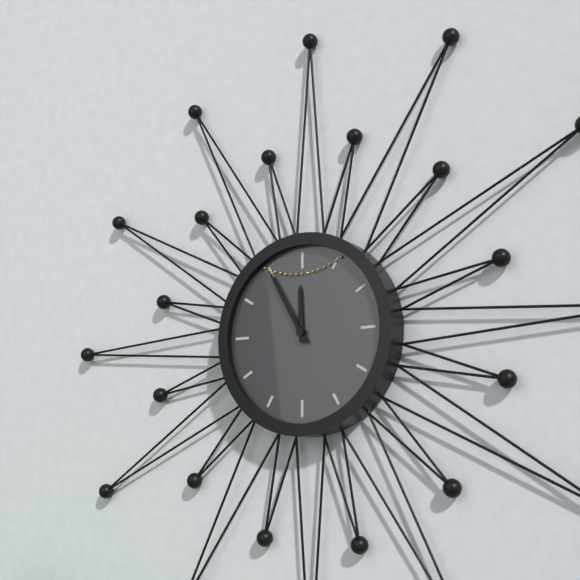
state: 11:55
